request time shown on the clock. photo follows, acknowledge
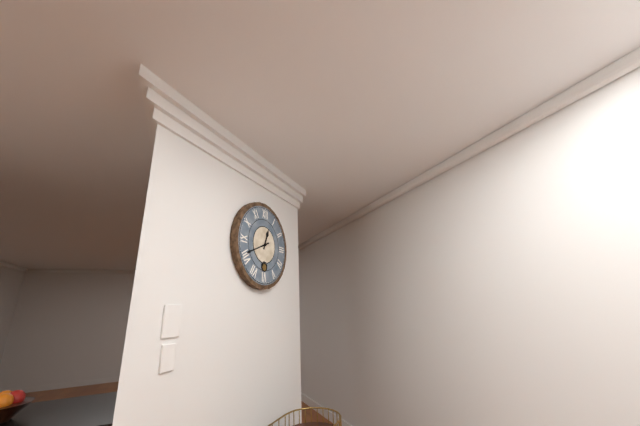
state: 12:41
